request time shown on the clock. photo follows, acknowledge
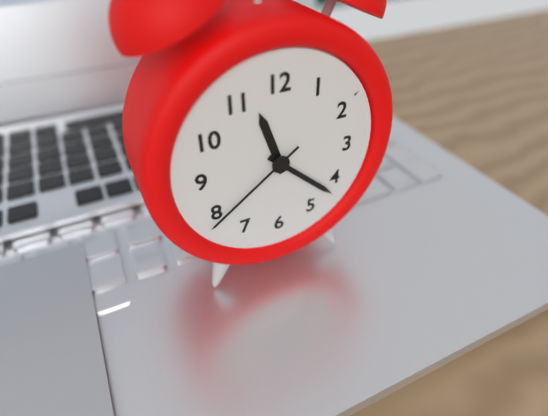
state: 11:22:39
